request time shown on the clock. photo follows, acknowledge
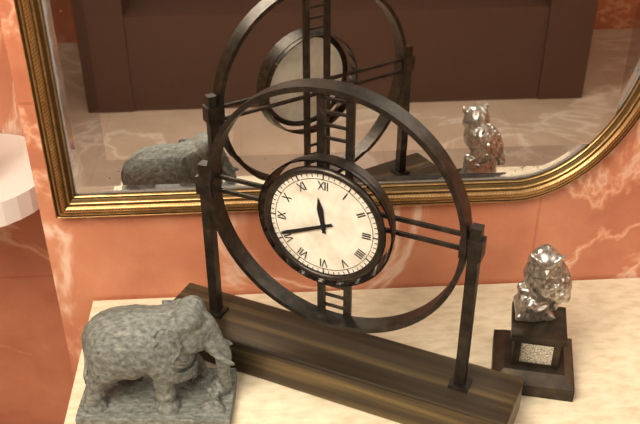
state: 11:41
